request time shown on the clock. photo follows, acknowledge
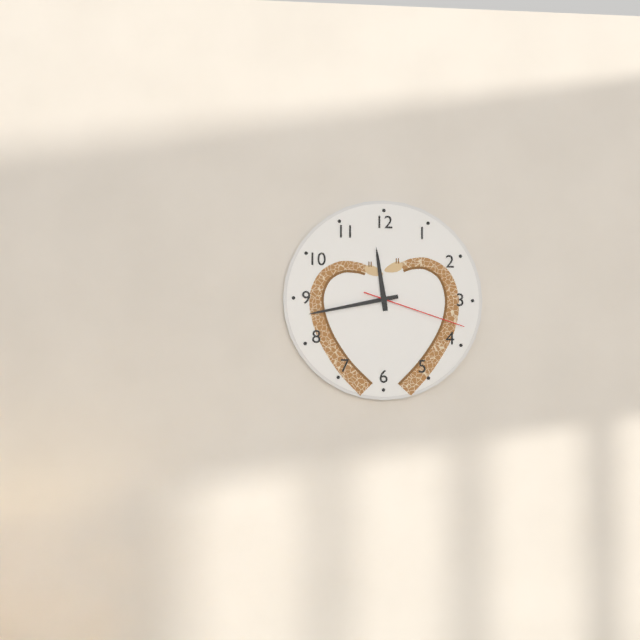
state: 11:43:18
